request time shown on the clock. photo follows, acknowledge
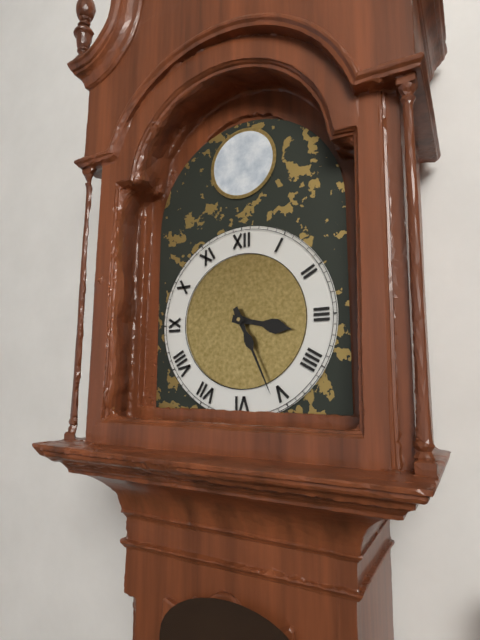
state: 3:26
